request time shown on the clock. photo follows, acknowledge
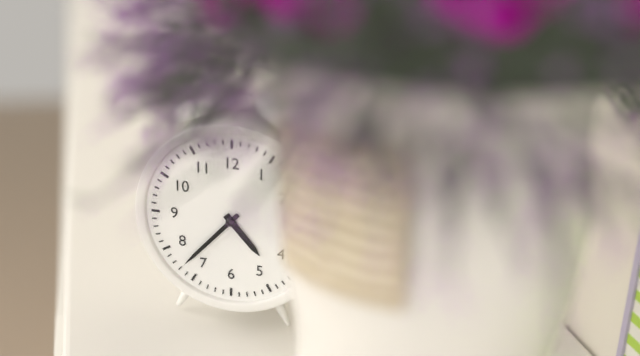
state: 4:37
